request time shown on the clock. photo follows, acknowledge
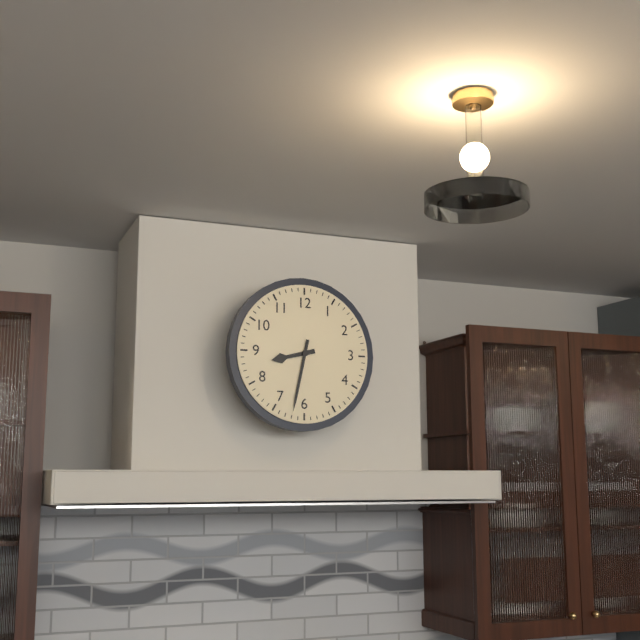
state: 8:32
